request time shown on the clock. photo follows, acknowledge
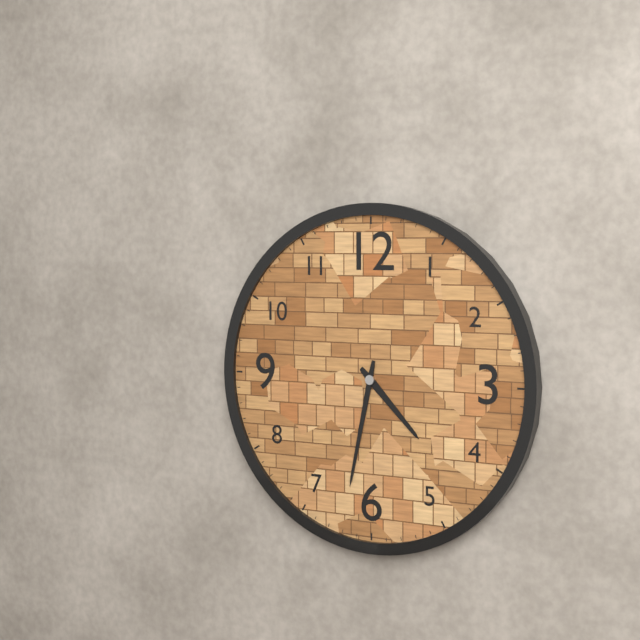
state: 4:32
